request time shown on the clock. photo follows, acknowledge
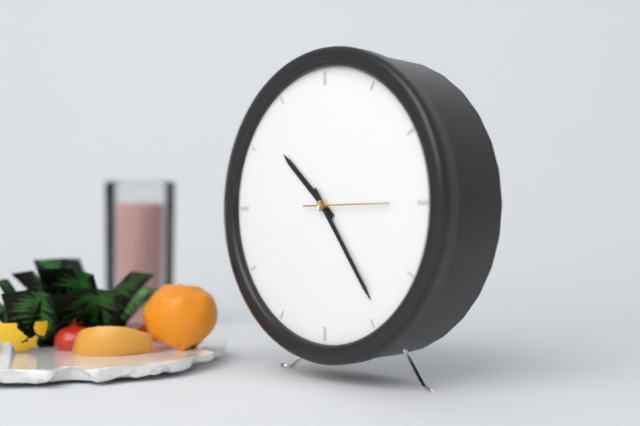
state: 10:24:15
